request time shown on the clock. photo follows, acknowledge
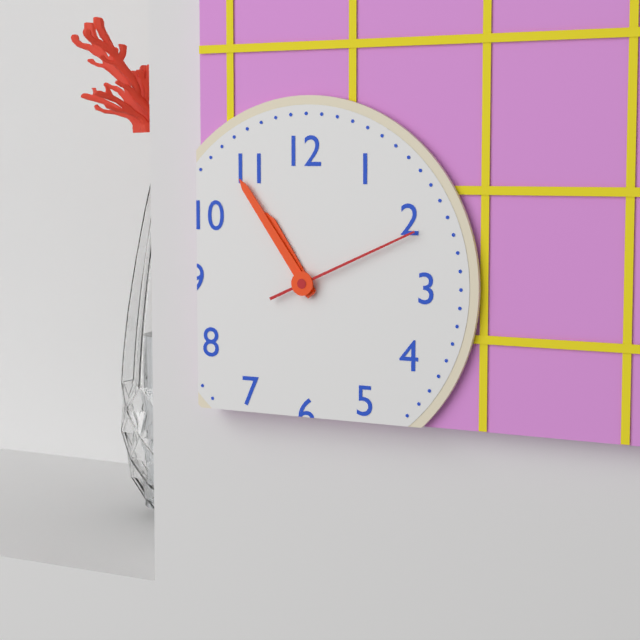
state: 10:54:11
